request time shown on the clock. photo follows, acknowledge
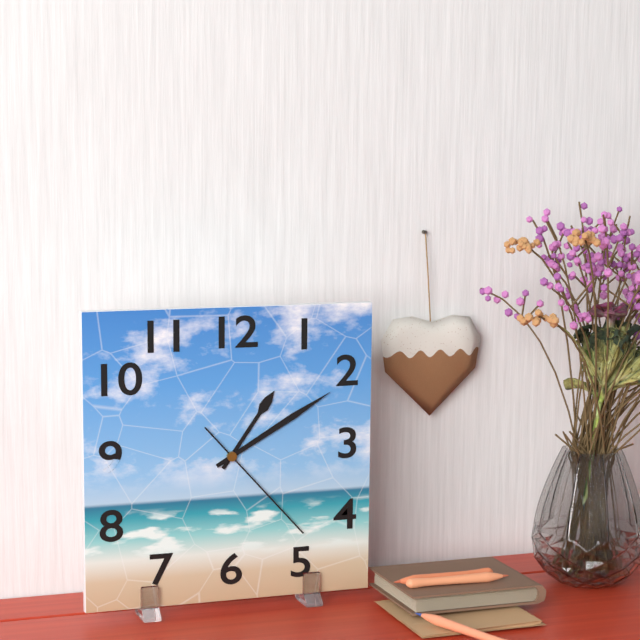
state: 1:10:23
